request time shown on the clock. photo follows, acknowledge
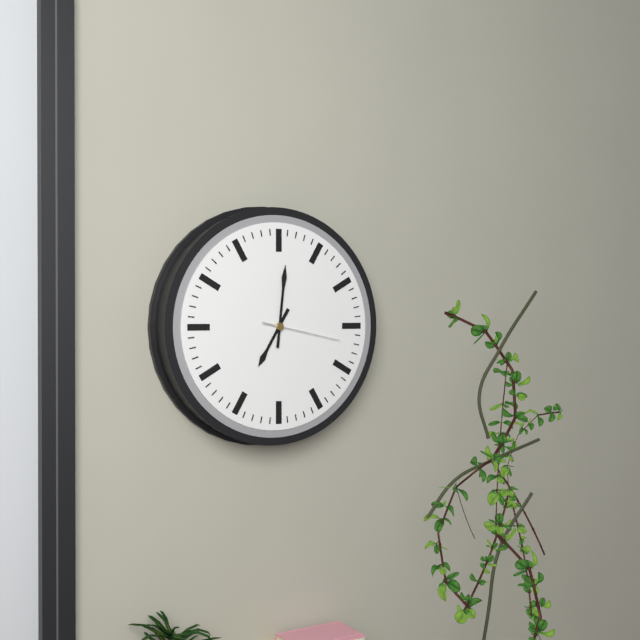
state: 7:01:17
